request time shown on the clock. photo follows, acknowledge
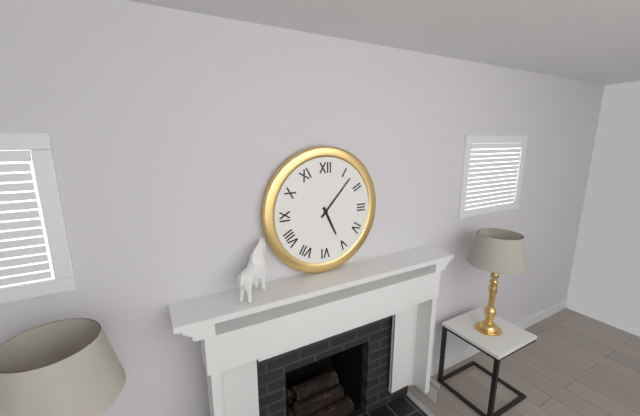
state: 5:07
